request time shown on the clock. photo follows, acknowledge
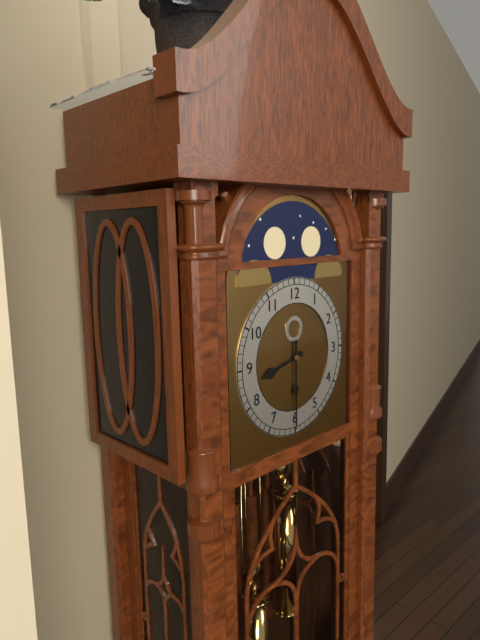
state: 8:30
